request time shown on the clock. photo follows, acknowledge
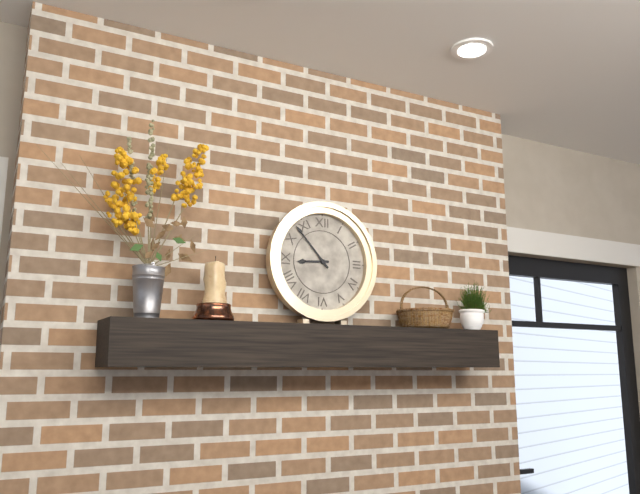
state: 8:53
